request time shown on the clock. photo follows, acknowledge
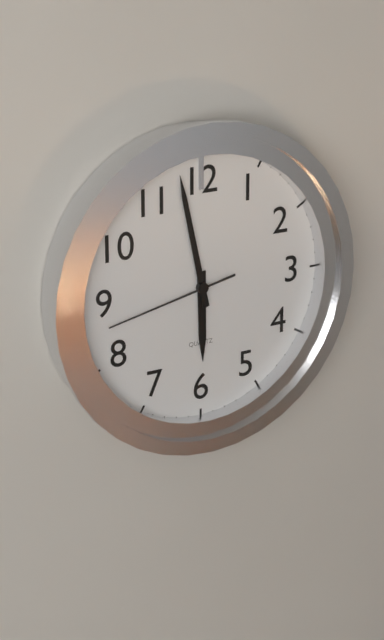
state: 5:58:43
